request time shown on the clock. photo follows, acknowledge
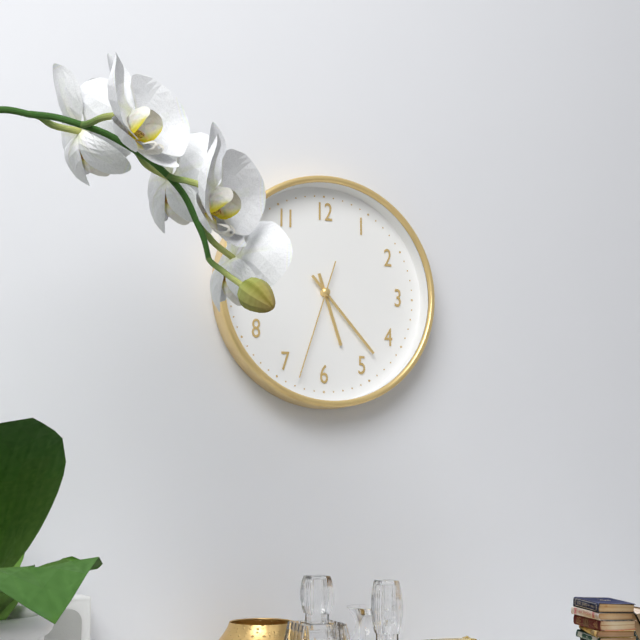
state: 5:23:33
